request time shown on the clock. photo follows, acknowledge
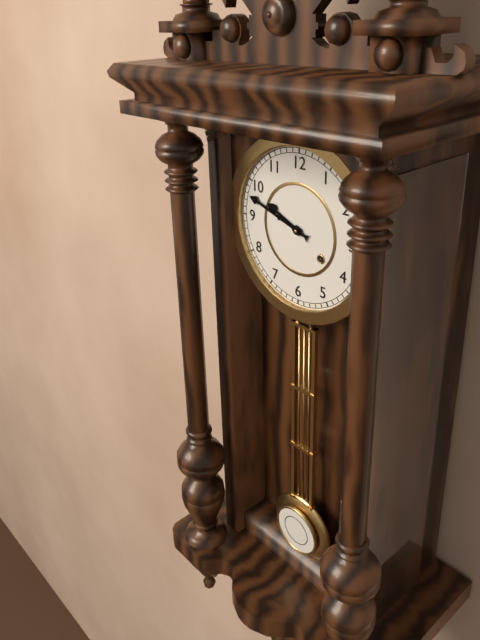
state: 9:48
